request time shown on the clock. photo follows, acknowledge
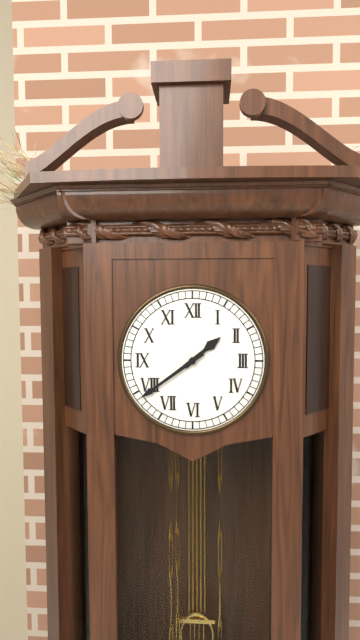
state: 1:39
